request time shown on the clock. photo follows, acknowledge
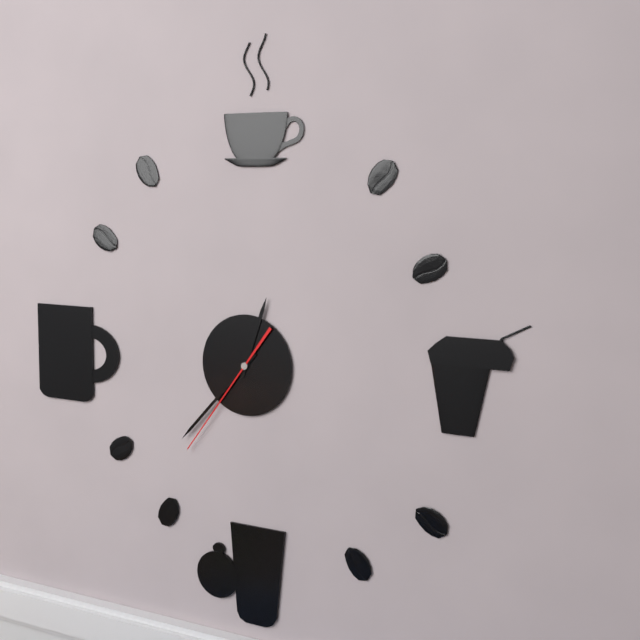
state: 12:37:36
